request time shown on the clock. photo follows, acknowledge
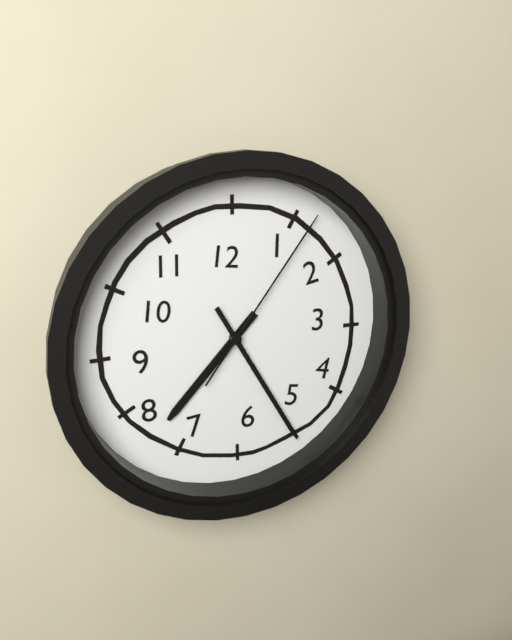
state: 7:25:06
